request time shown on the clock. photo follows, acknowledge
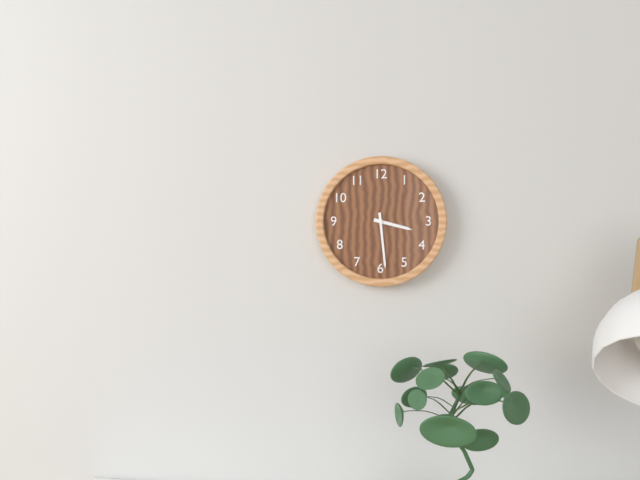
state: 3:29
